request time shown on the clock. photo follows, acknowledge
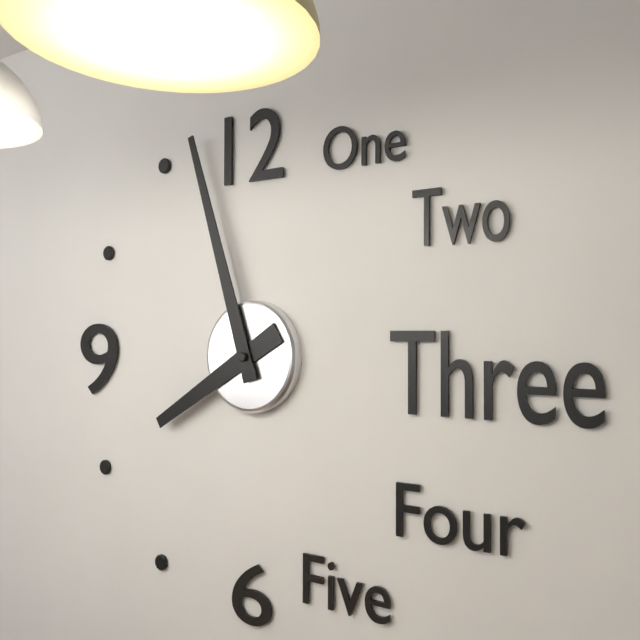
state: 7:57
